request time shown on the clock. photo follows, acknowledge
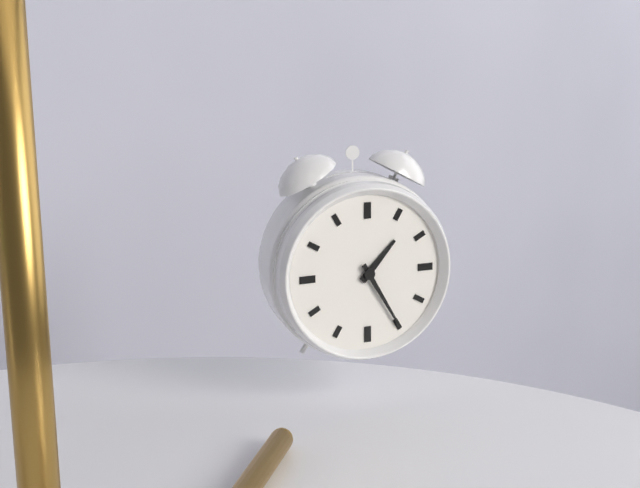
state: 1:25
